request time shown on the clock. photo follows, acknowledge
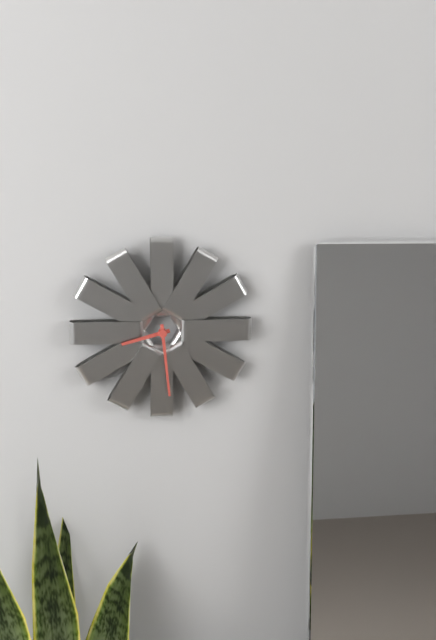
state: 8:29
